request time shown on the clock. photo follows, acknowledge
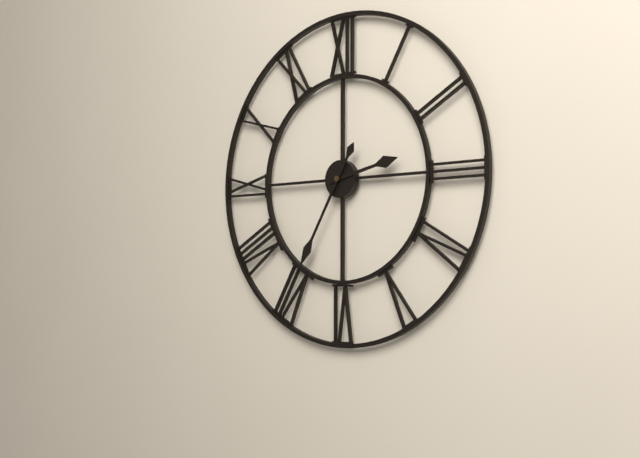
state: 2:35
